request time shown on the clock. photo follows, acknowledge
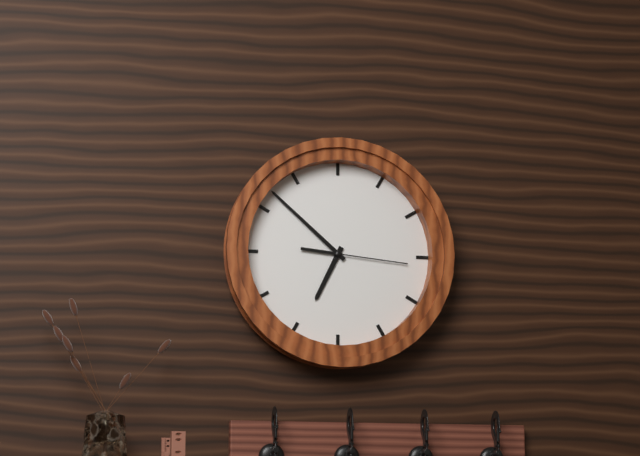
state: 6:52:16
